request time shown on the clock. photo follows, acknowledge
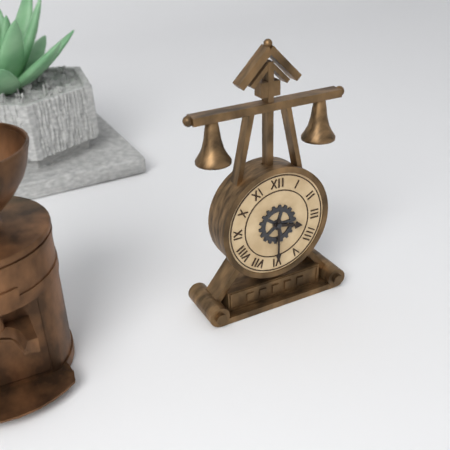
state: 3:30
